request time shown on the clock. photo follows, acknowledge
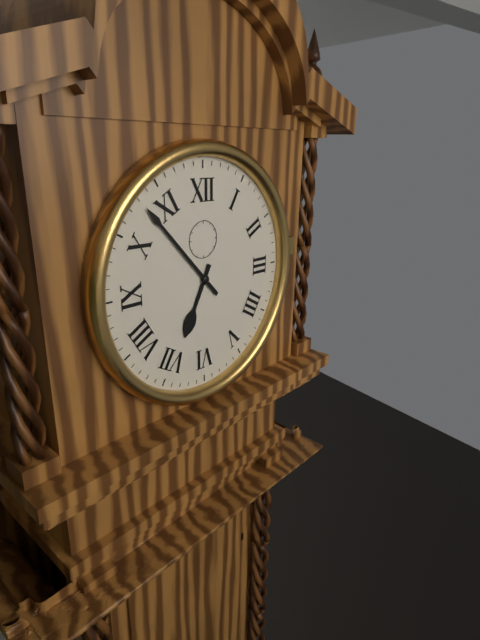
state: 6:53
